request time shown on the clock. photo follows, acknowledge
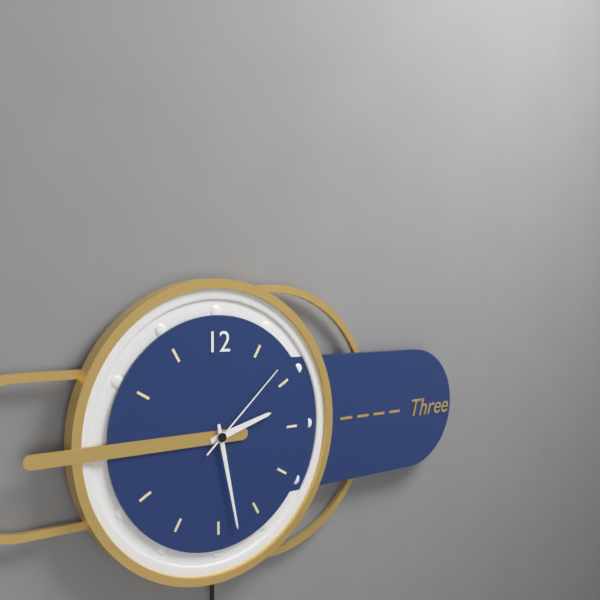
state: 2:28:08
